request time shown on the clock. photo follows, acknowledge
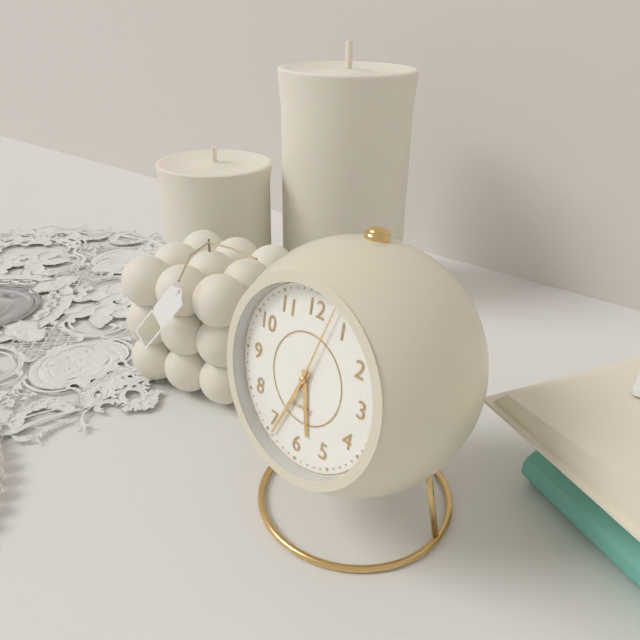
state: 5:34:03
